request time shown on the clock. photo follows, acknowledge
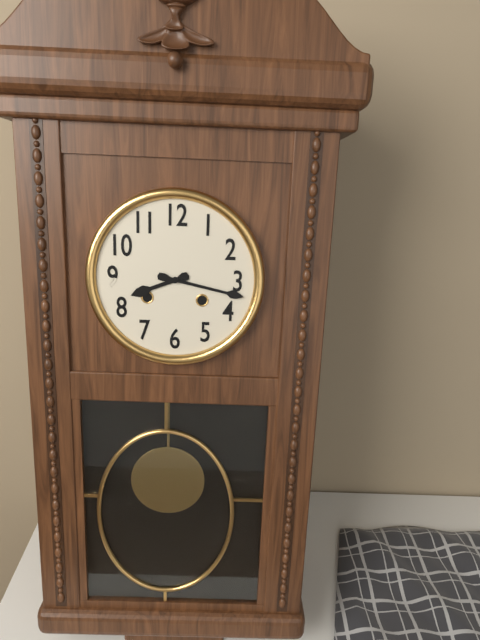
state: 8:17
